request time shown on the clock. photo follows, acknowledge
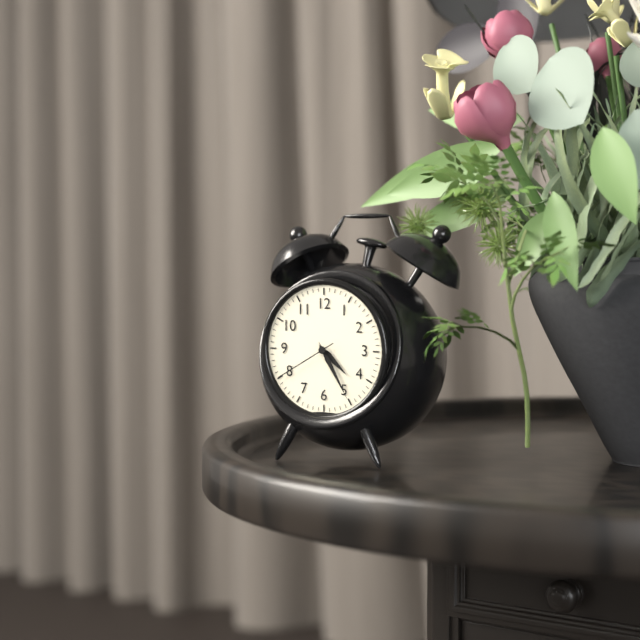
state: 4:25:40
